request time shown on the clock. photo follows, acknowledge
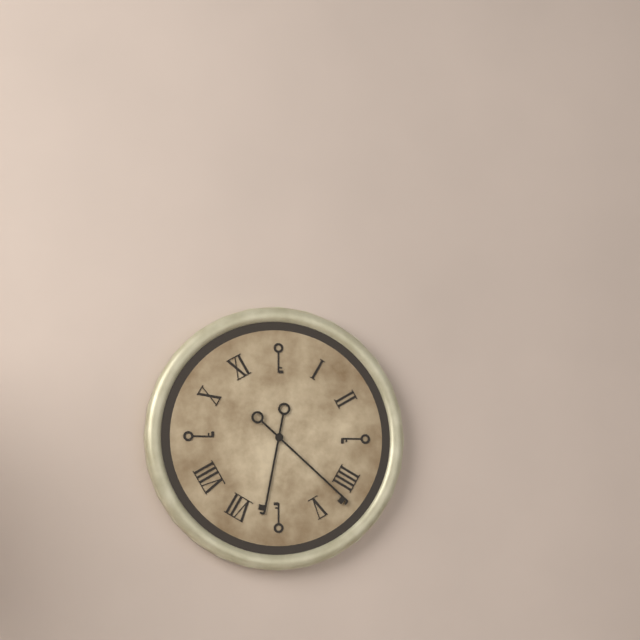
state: 6:22
